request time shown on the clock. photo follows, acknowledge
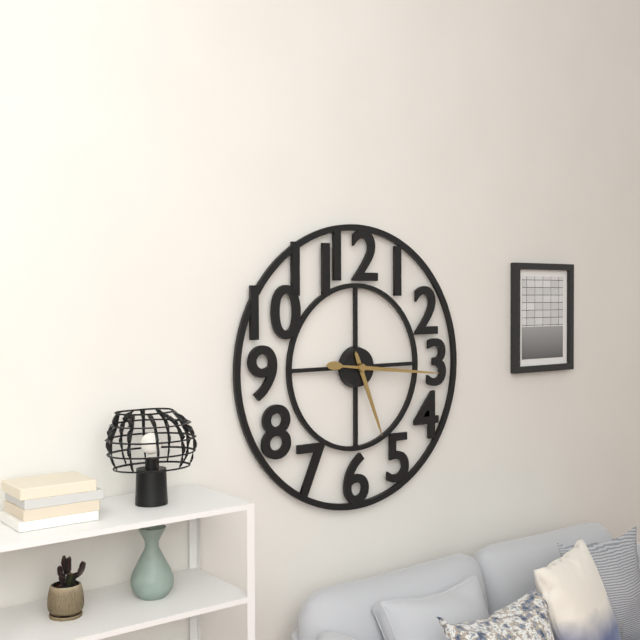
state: 5:16
